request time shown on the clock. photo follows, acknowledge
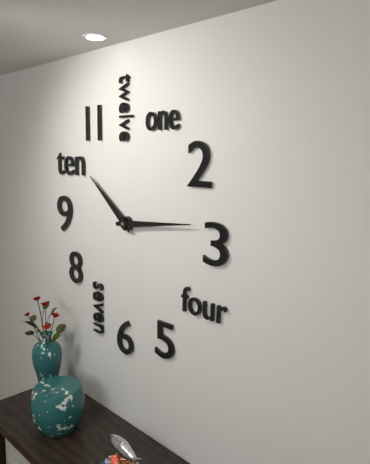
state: 10:14
